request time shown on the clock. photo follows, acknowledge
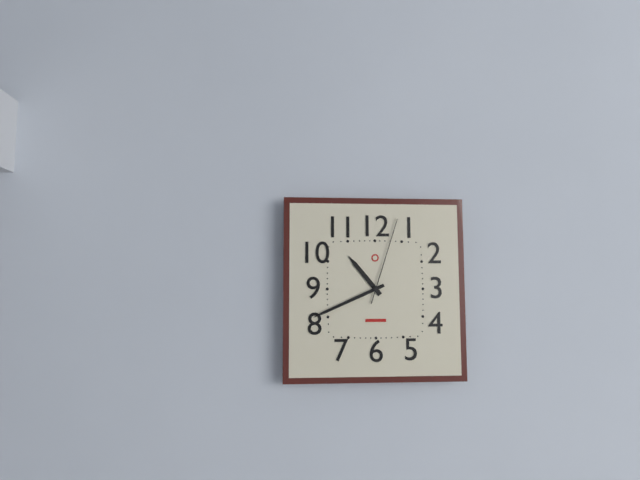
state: 10:41:03
